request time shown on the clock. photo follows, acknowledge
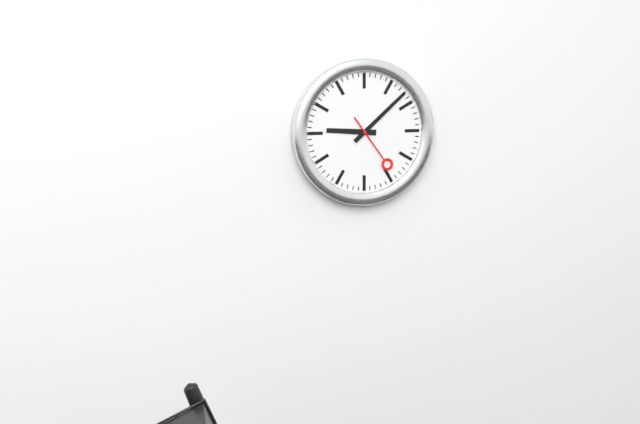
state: 9:08:24
